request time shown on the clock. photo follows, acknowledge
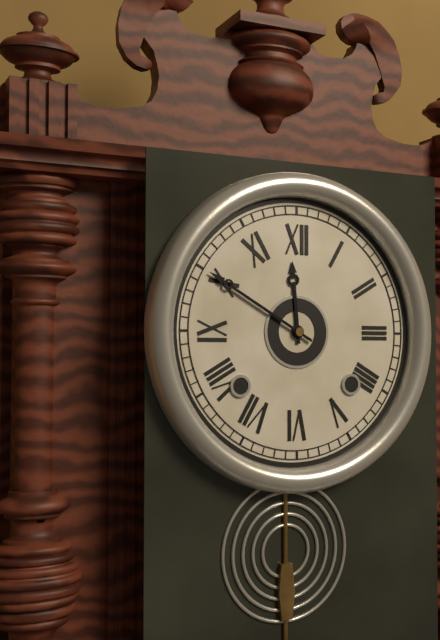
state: 11:50
